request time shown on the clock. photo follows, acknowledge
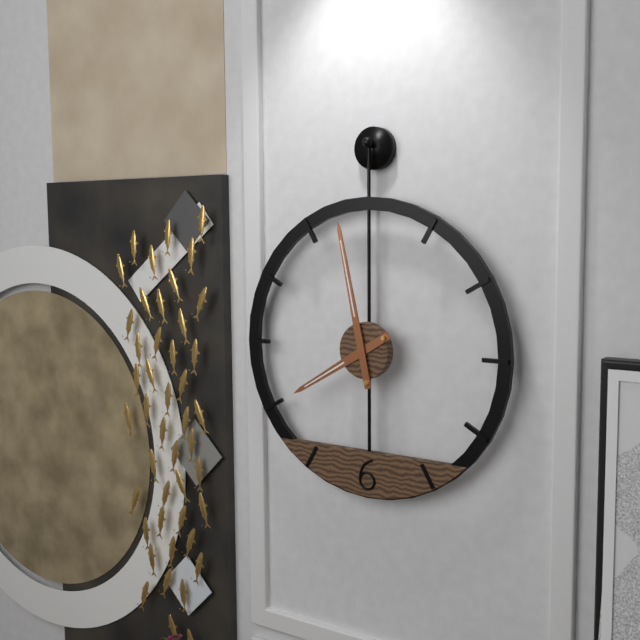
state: 7:58
